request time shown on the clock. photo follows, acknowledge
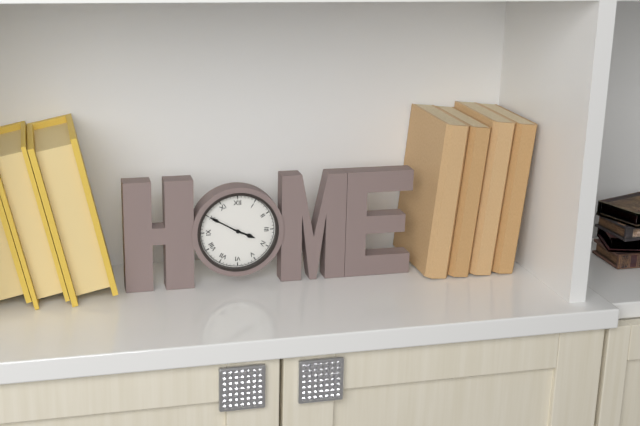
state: 3:50
